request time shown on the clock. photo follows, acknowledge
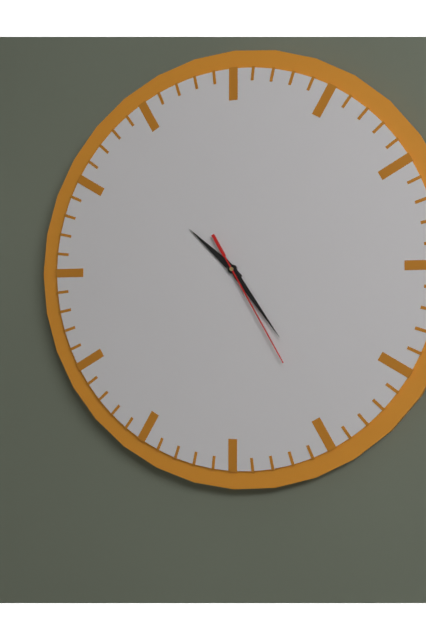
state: 10:24:25
